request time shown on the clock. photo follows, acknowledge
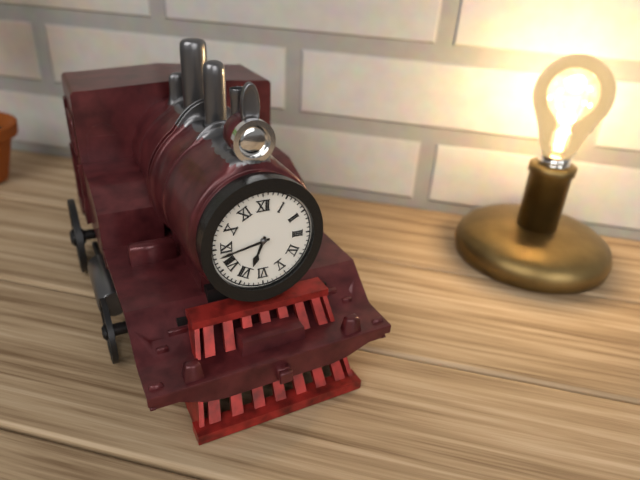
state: 6:43
